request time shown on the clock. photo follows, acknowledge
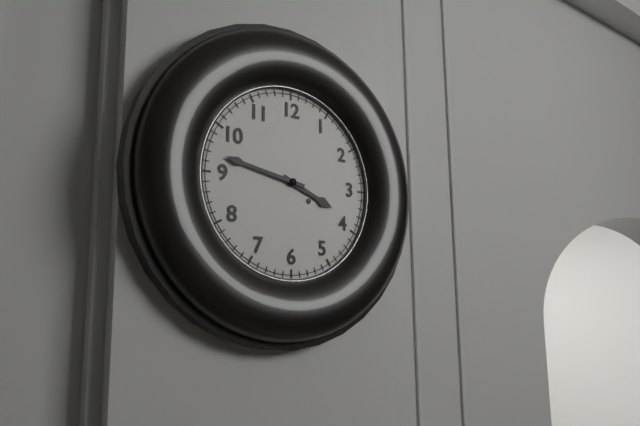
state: 3:47
